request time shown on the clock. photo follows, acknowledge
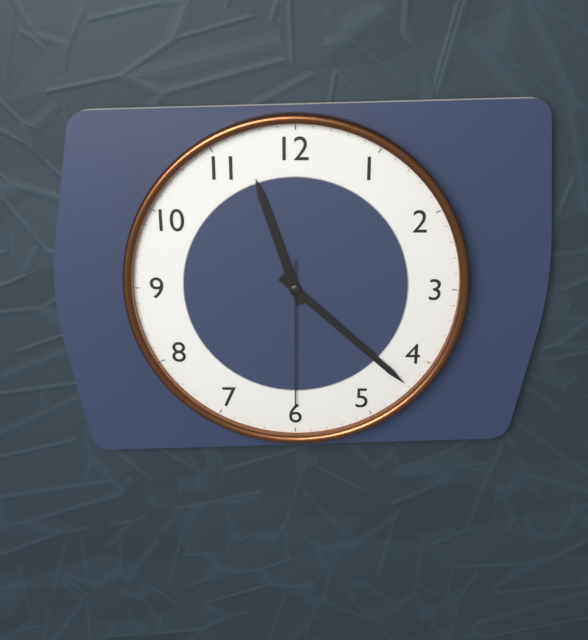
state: 11:22:30
